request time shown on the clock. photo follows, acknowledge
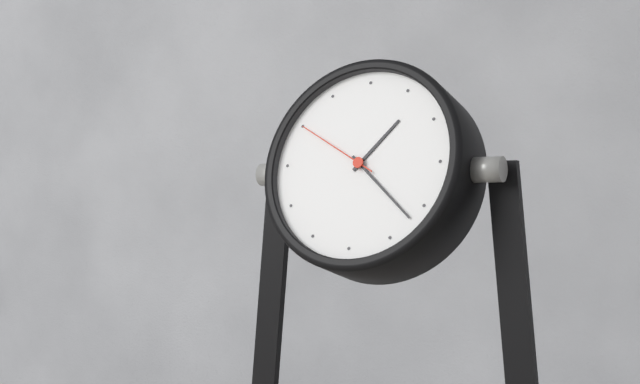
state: 1:22:50
